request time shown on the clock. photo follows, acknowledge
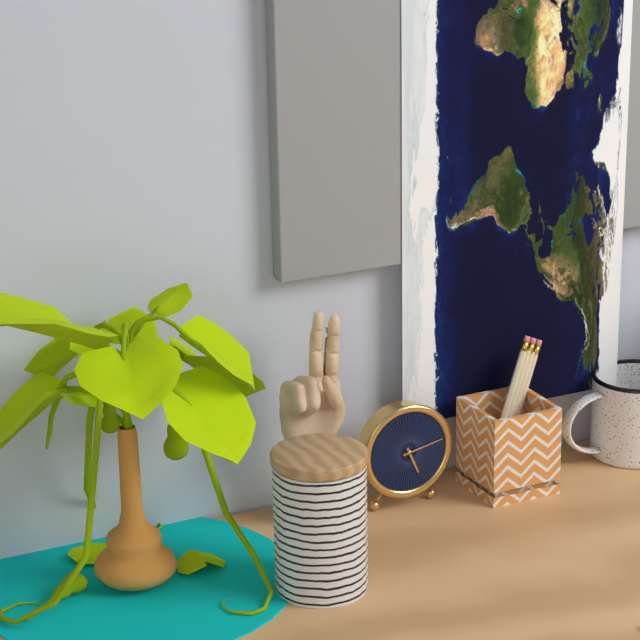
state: 5:13
